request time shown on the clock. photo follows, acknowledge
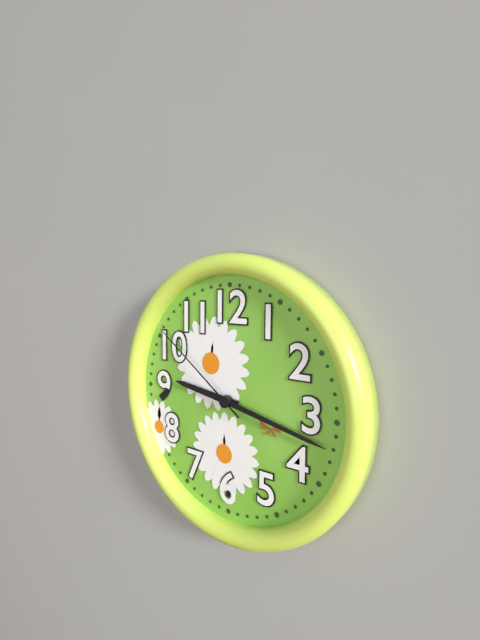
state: 9:17:51
